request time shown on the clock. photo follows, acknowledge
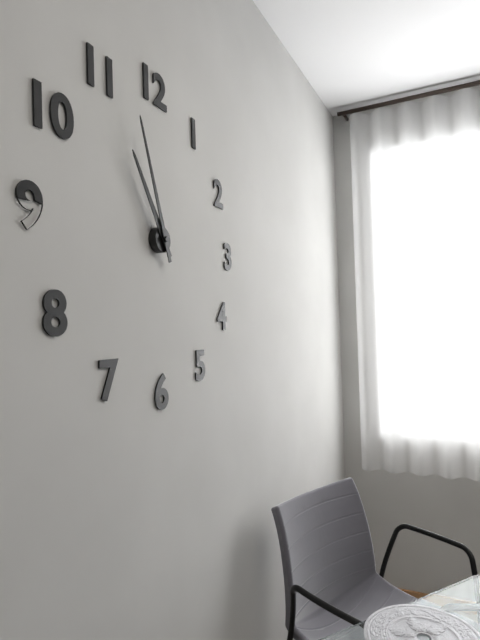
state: 10:57
